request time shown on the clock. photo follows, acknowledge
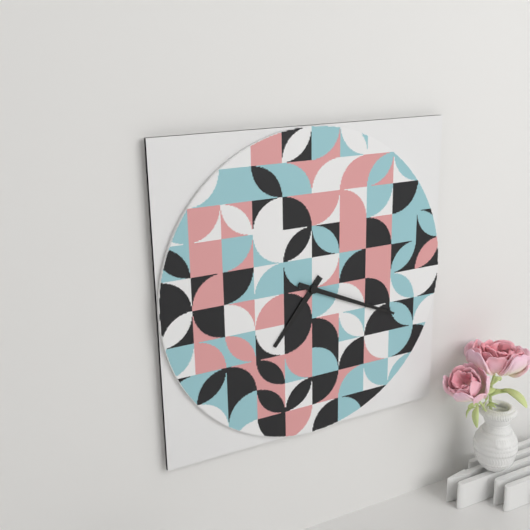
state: 7:19
